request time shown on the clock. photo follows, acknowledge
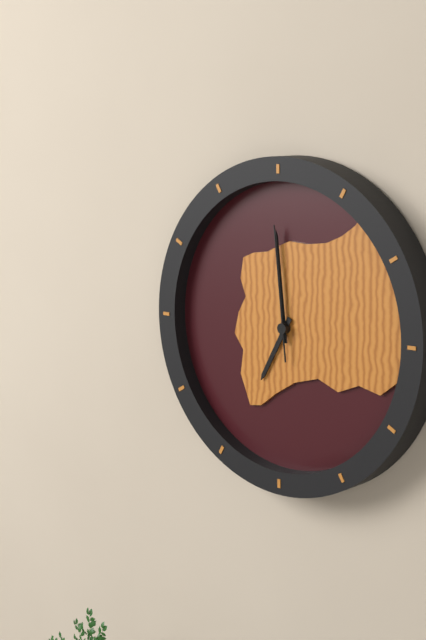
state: 6:59:59
